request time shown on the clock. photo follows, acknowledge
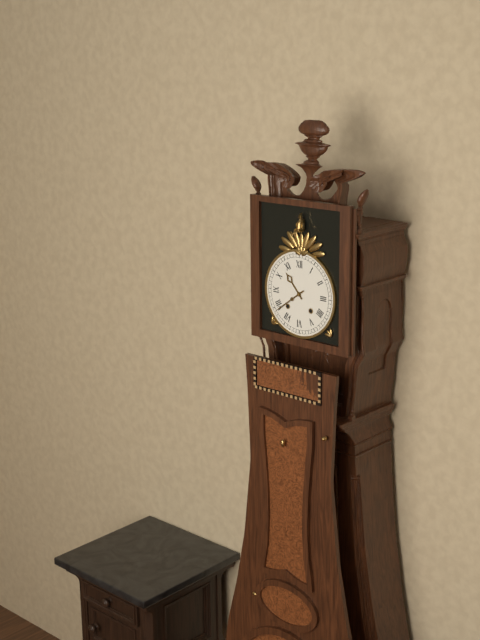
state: 10:39
